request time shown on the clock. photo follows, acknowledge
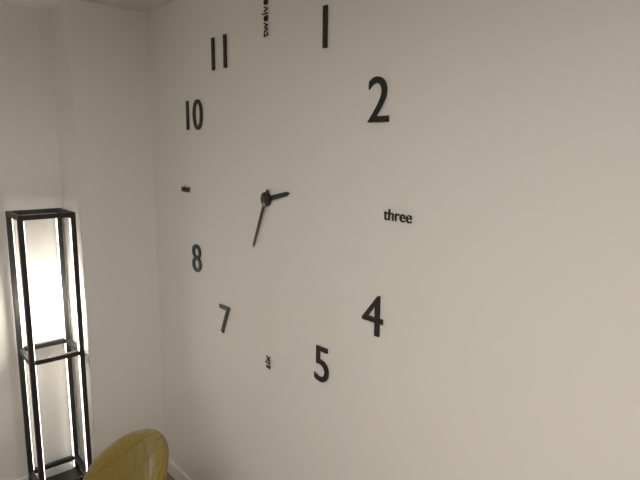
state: 2:34
